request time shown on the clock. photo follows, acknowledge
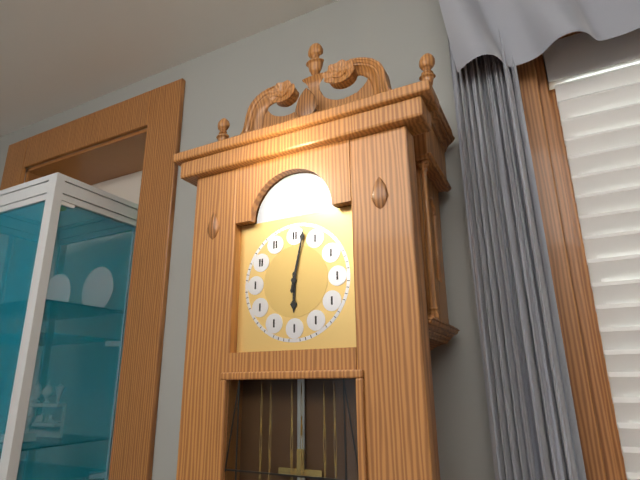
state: 6:02
